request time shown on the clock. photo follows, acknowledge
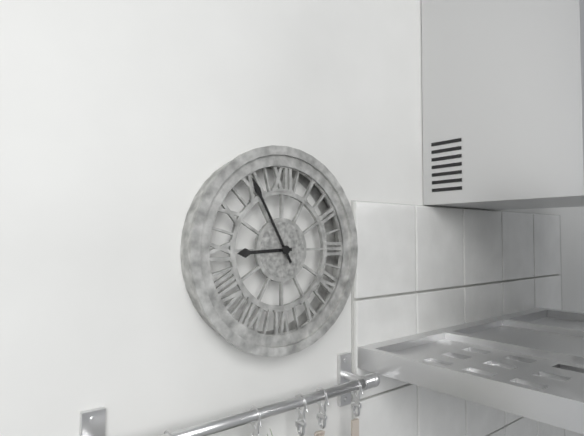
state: 8:55
